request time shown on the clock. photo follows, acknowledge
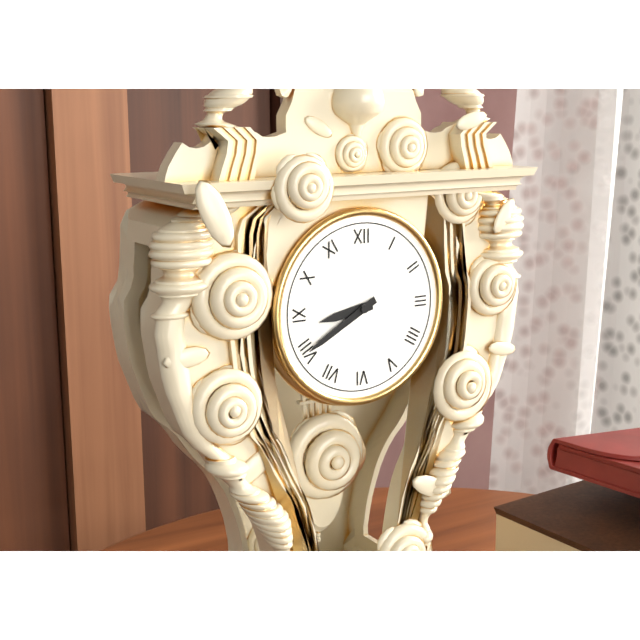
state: 8:40
